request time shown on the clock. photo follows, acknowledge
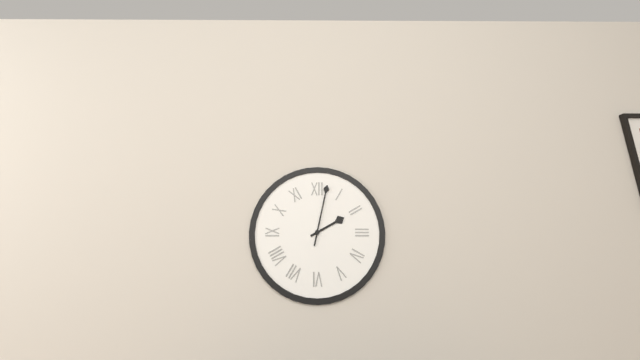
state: 2:02
